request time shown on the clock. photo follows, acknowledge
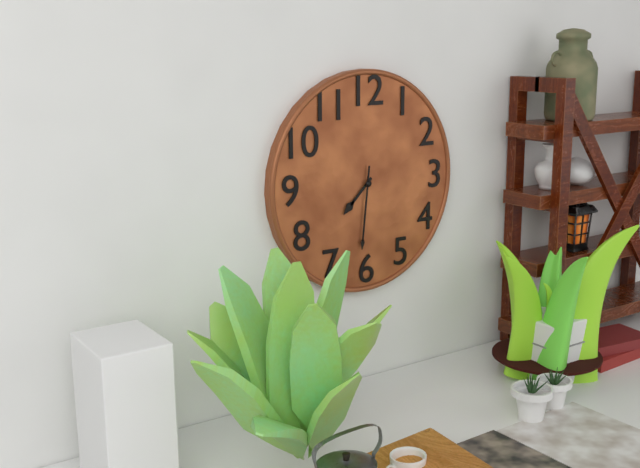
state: 7:31
